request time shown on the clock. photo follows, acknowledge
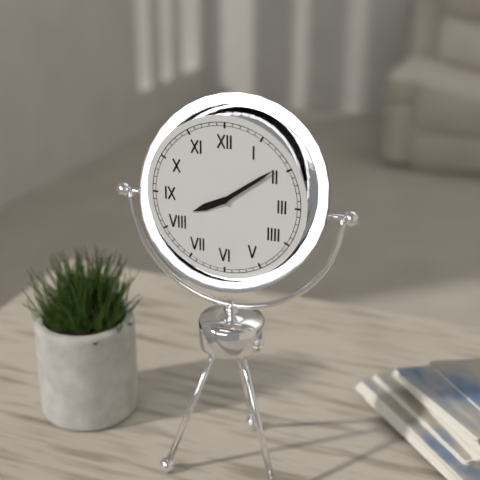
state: 8:09
